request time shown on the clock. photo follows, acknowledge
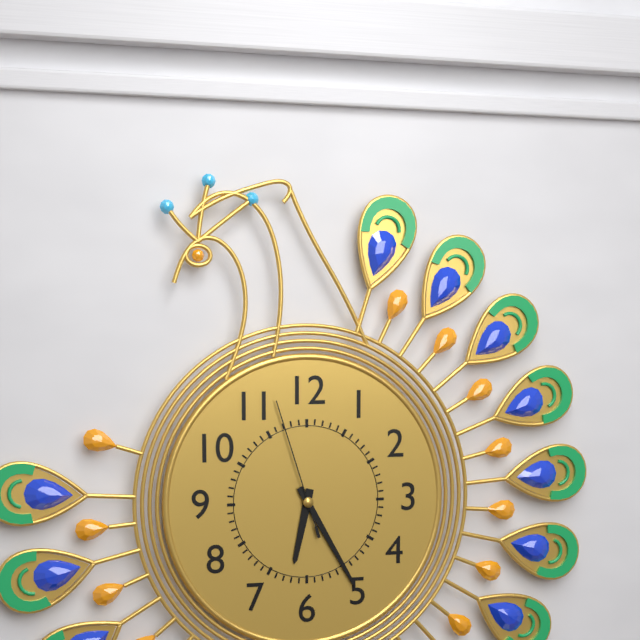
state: 6:25:57
